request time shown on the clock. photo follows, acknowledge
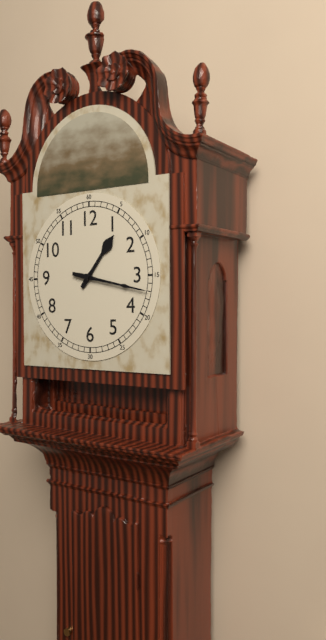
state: 1:17
